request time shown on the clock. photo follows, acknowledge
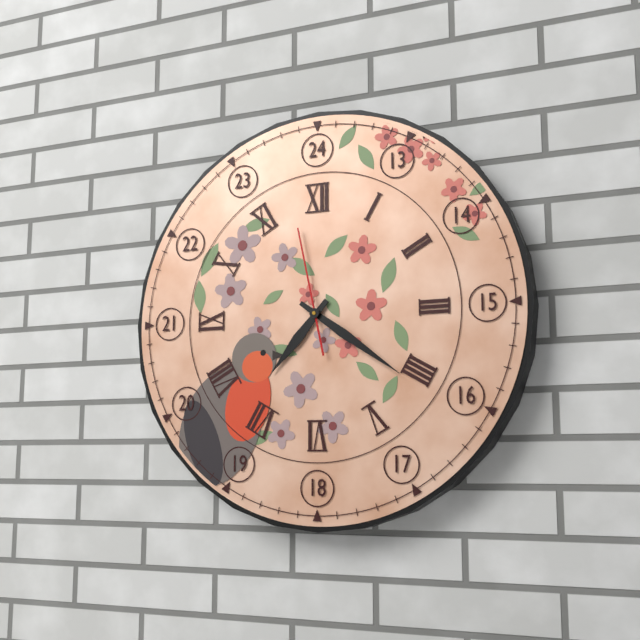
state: 7:21:58
